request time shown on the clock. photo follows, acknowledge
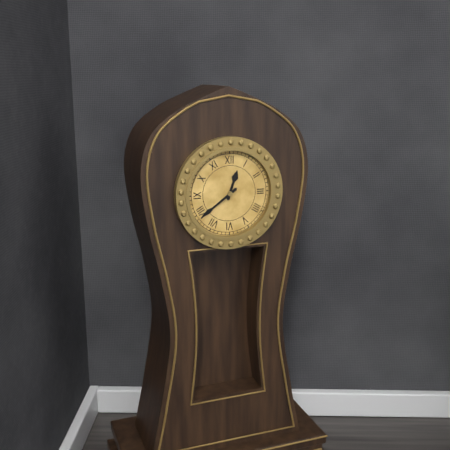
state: 12:39
